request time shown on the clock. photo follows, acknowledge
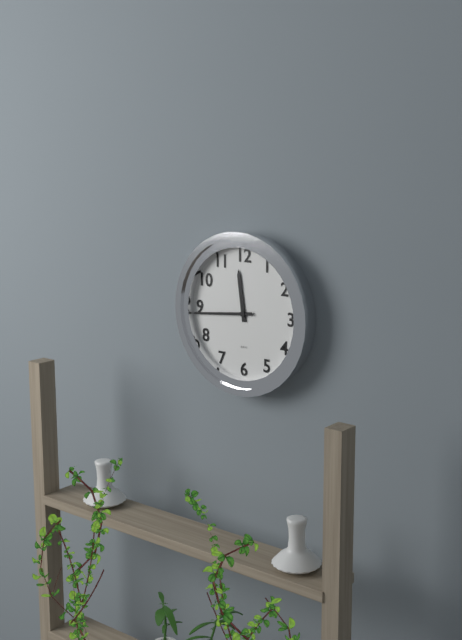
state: 11:44
